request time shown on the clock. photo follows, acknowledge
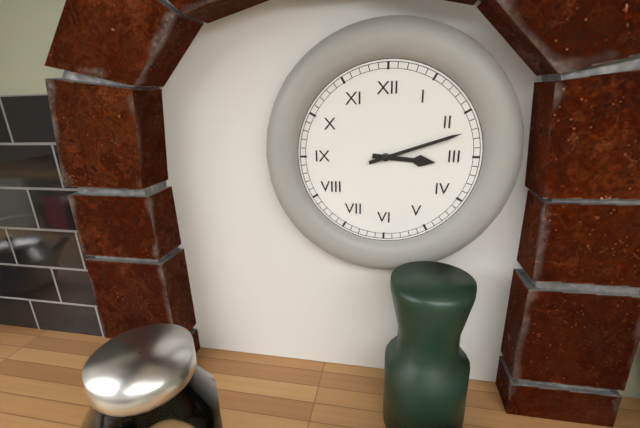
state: 3:12
